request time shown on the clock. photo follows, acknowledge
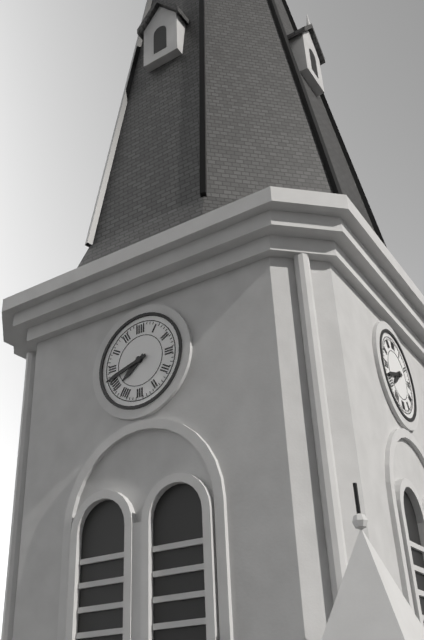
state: 7:42
